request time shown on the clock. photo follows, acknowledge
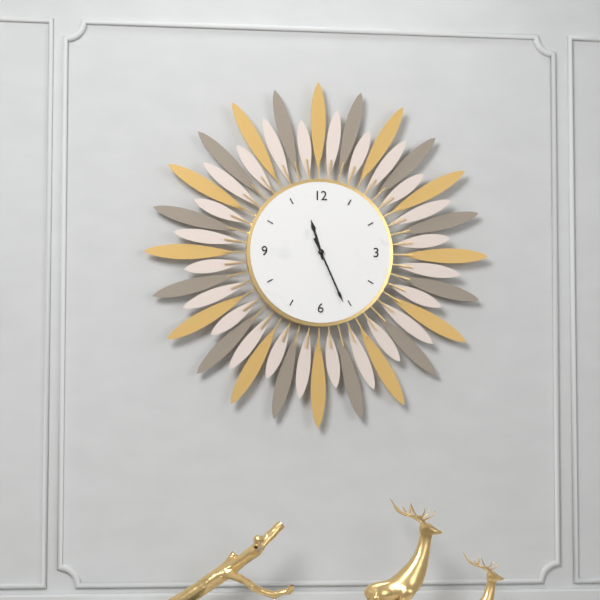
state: 11:26
